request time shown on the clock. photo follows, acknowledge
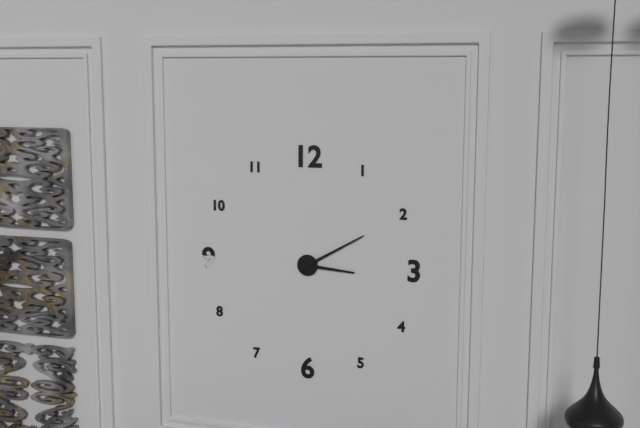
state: 3:10
